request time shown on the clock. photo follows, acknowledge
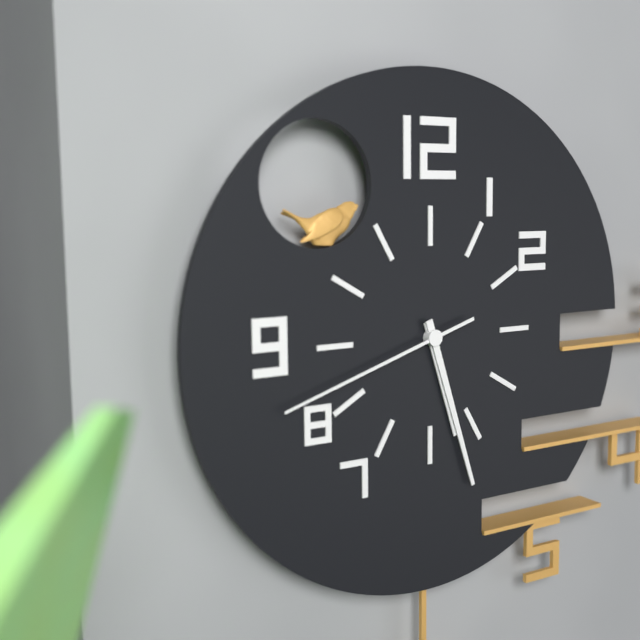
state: 5:27:42
